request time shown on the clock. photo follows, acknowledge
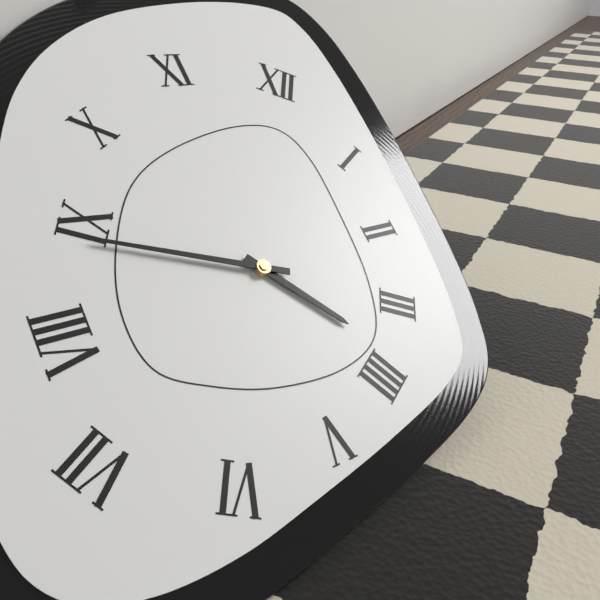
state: 3:44
